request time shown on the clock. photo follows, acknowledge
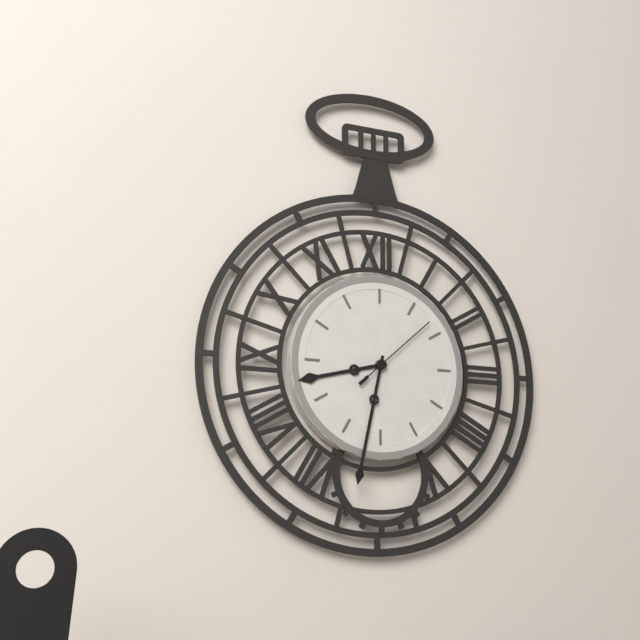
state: 8:32:08
